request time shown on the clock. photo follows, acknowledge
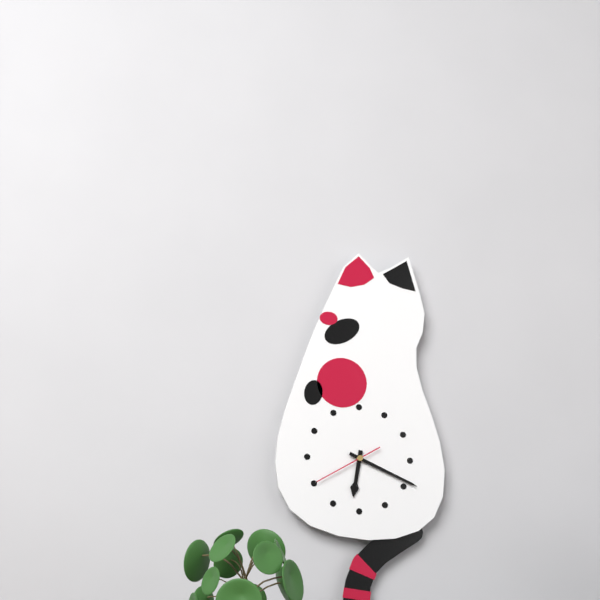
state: 6:19:40
